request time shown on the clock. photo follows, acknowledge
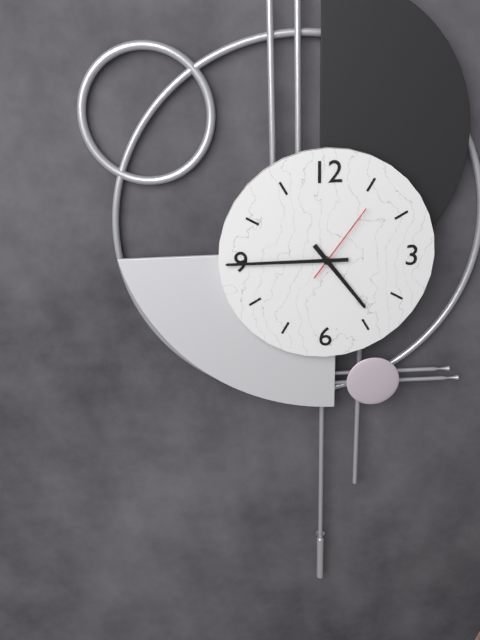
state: 4:45:06
